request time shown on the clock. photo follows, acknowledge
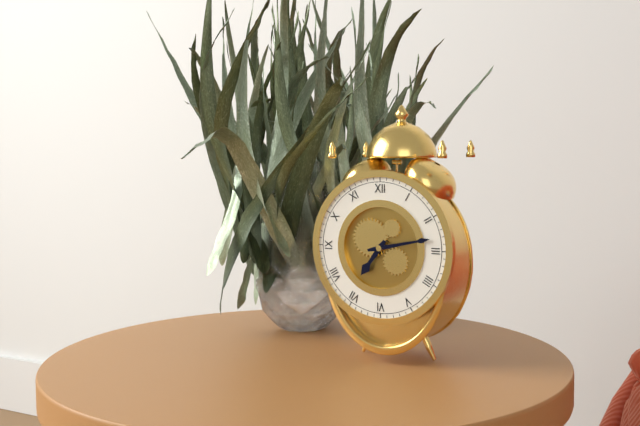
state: 7:13
